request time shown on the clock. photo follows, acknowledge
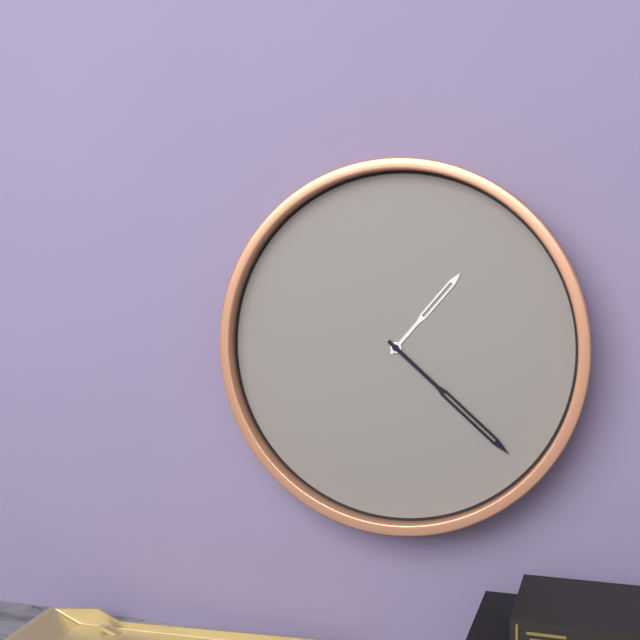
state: 1:22
